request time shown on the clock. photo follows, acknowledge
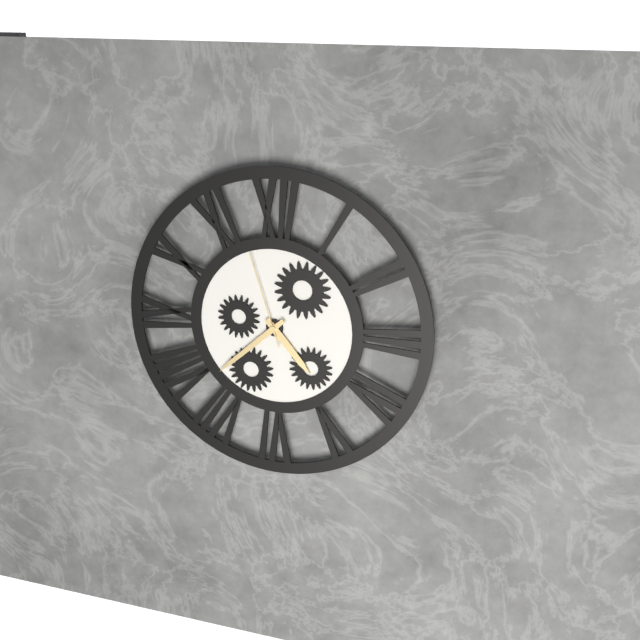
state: 4:38:57
